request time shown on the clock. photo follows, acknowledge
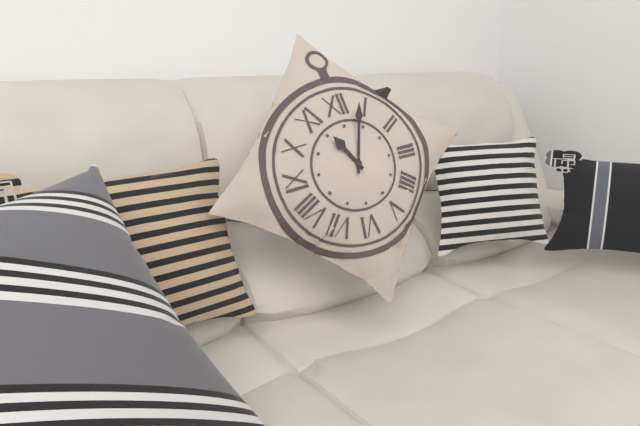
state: 11:03
